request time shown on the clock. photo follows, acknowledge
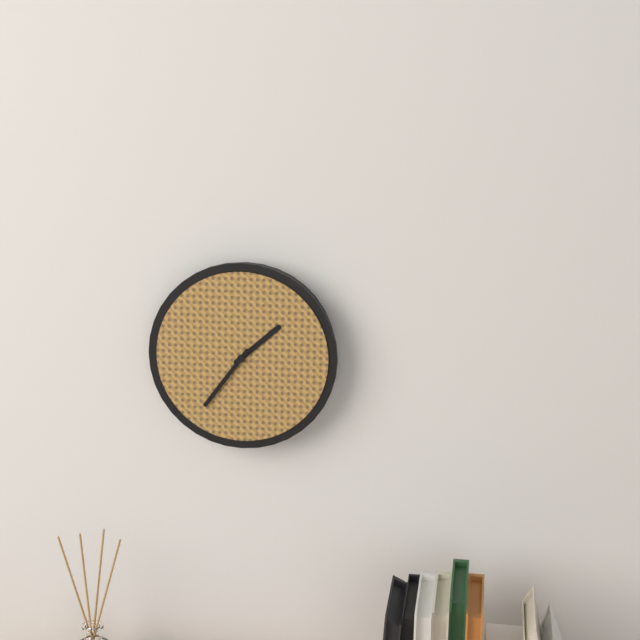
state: 1:36
